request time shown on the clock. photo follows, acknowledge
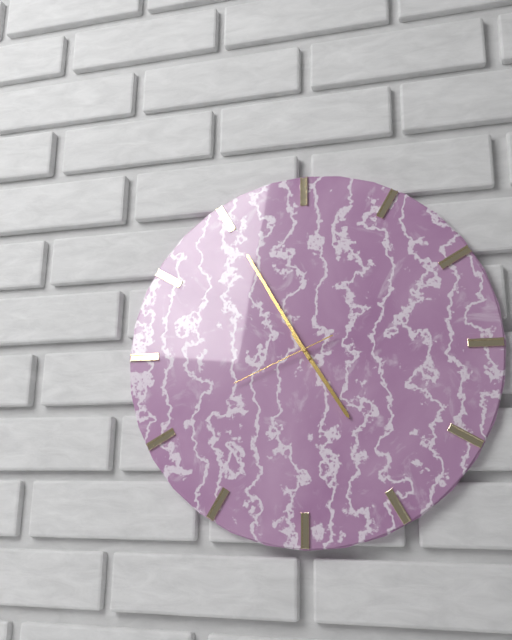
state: 4:55:41
